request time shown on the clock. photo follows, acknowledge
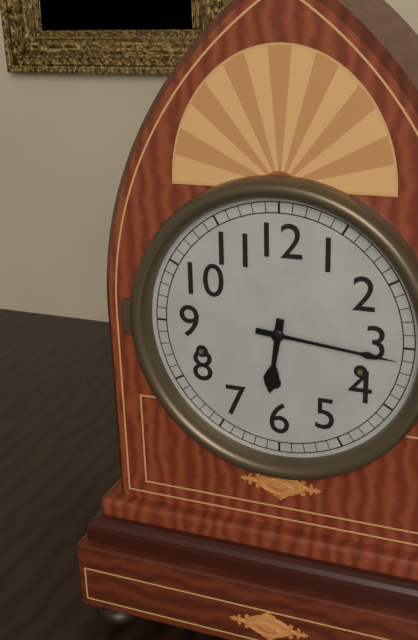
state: 6:16
